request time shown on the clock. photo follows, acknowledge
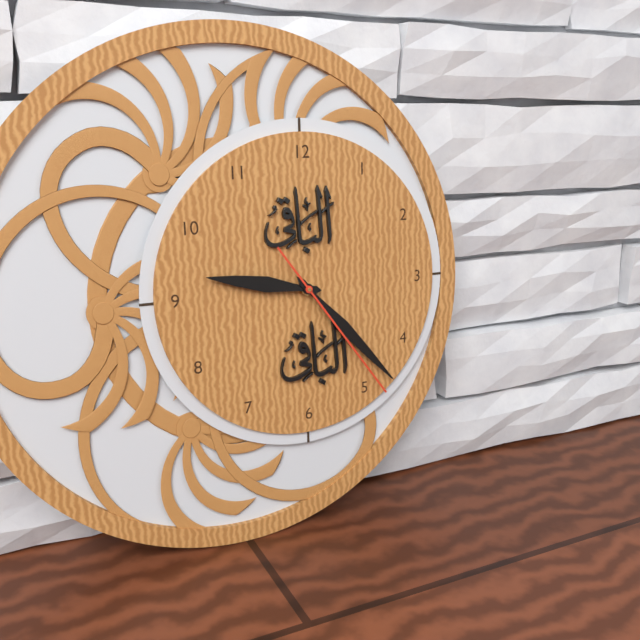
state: 9:23:24
